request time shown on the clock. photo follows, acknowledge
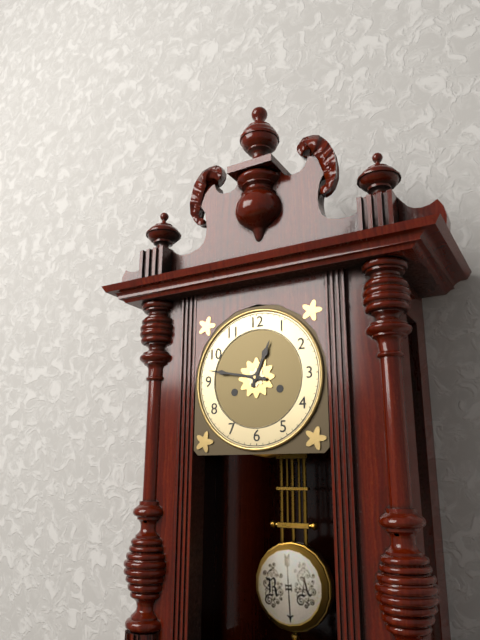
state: 12:47
